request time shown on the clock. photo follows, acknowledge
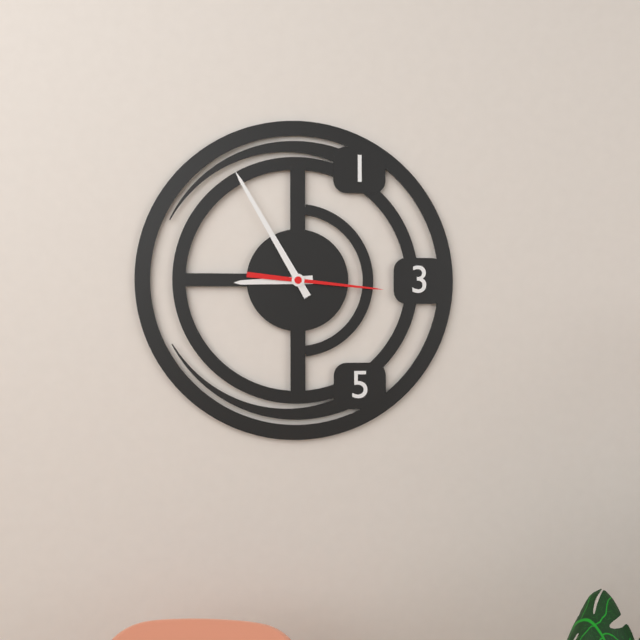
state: 8:55:16
